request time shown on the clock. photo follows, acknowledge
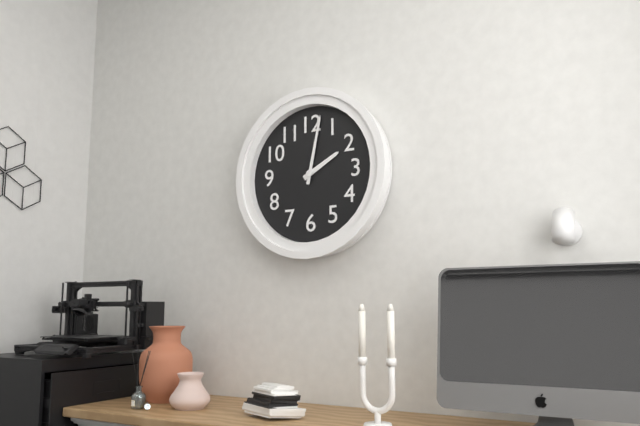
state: 2:02
